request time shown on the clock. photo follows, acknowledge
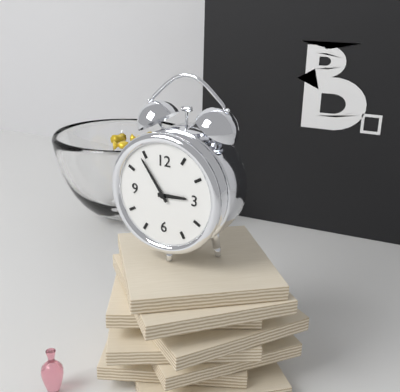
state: 2:54
